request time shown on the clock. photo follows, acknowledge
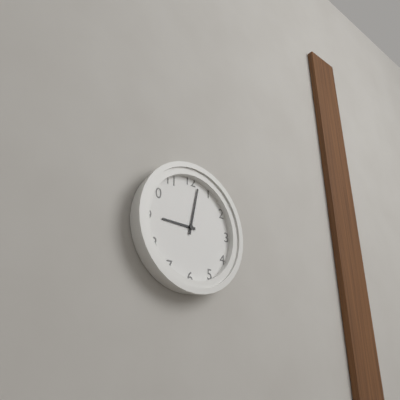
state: 9:02
